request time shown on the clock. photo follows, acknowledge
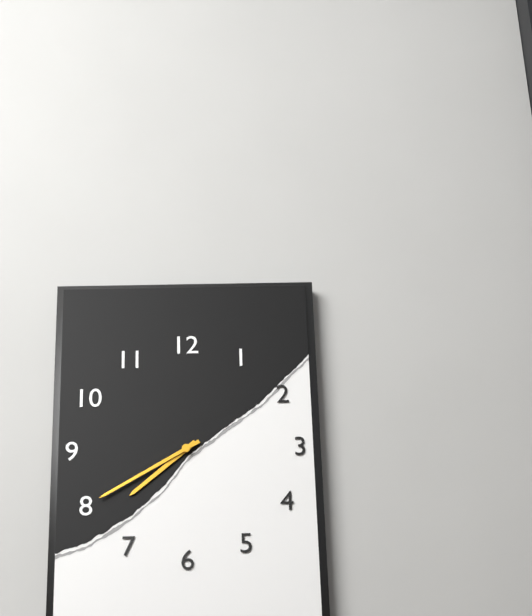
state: 7:40
